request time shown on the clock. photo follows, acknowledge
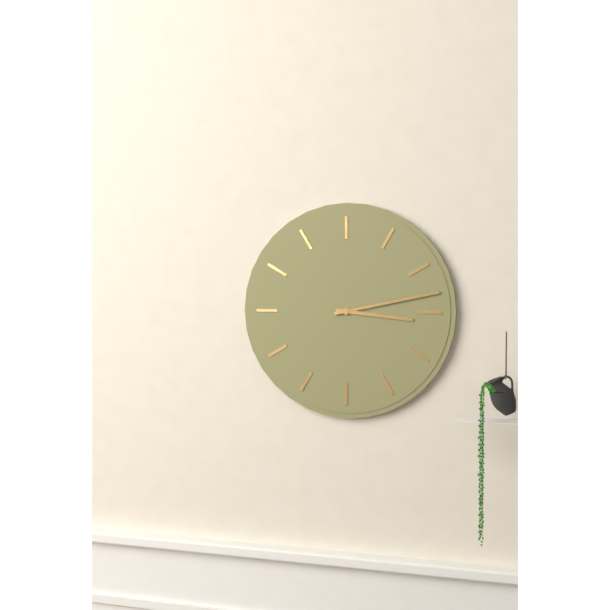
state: 3:13
